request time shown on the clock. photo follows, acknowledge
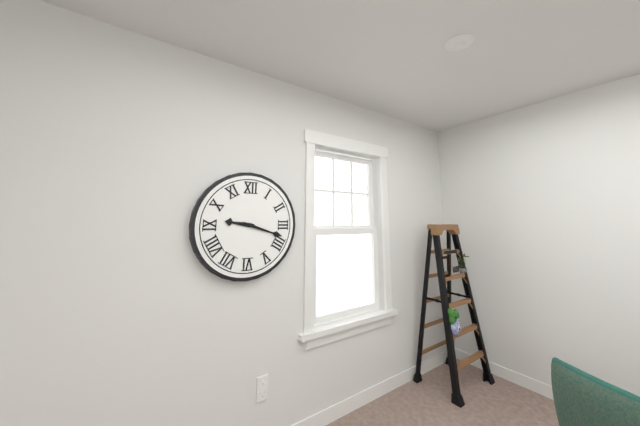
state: 9:18
